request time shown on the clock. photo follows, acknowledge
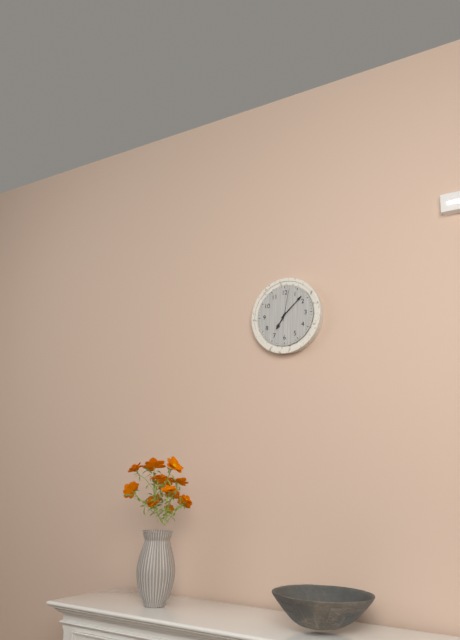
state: 7:08
